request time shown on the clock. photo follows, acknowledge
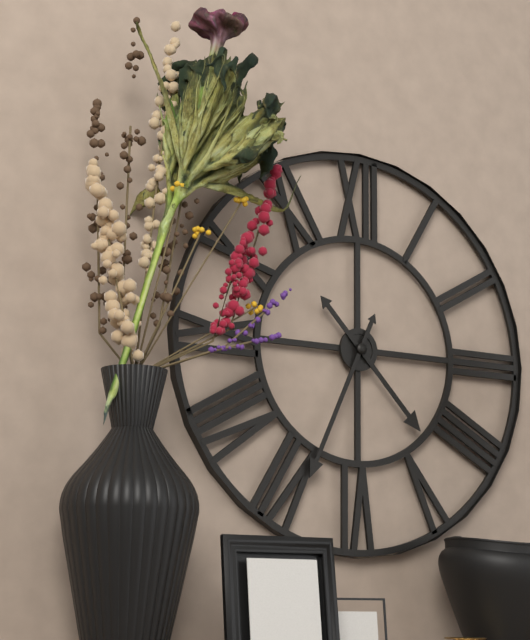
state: 4:34
